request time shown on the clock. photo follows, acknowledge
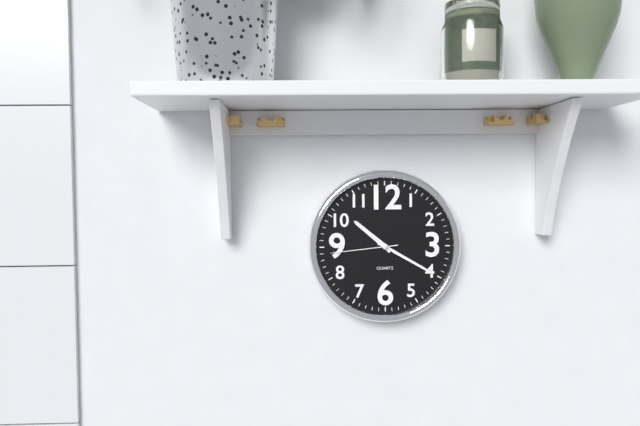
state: 10:20:44
